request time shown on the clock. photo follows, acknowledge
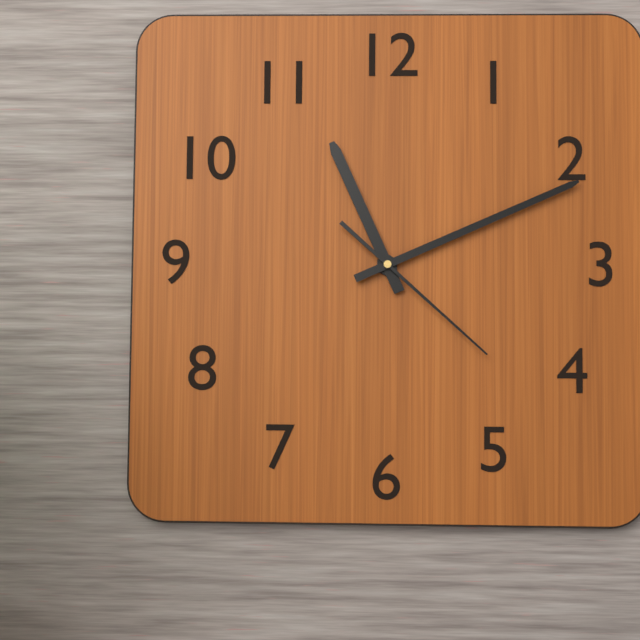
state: 11:11:22
